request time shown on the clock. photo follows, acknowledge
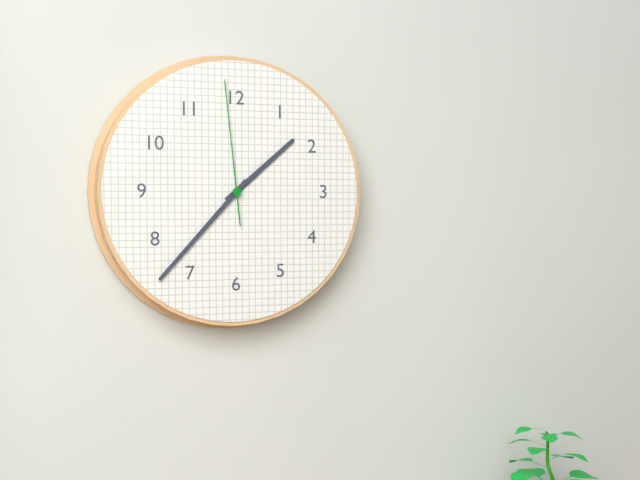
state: 1:37:59
